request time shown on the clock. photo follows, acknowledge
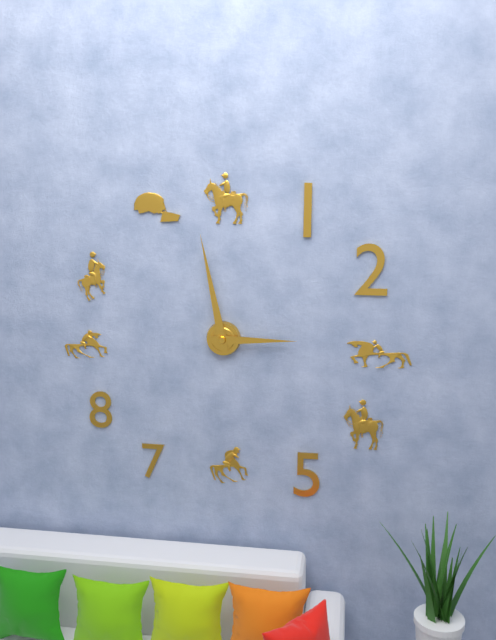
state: 2:58
